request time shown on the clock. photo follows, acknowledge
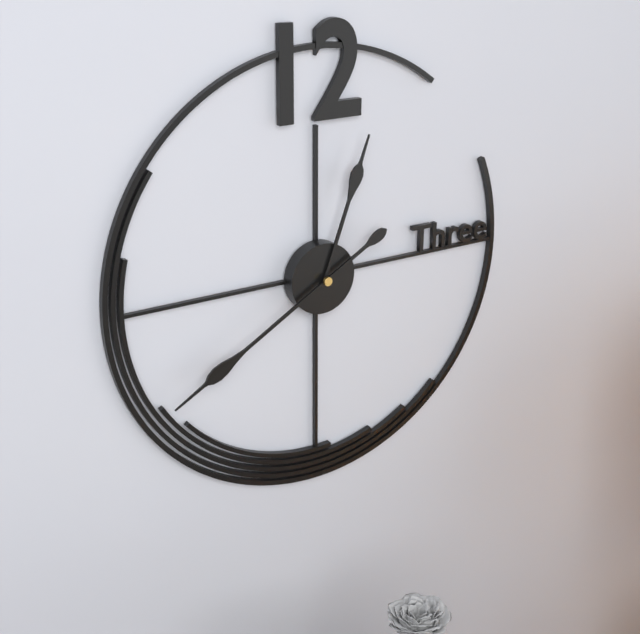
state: 12:40
